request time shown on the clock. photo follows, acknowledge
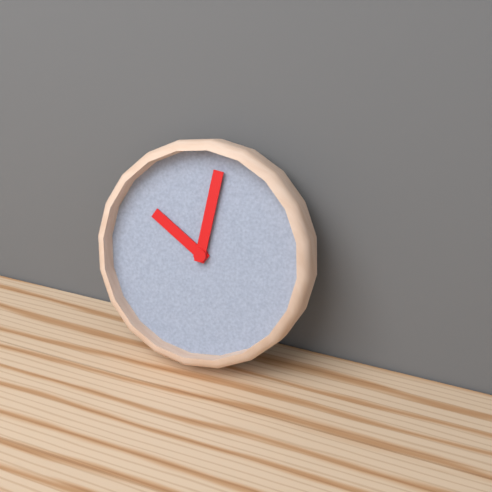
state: 10:01
